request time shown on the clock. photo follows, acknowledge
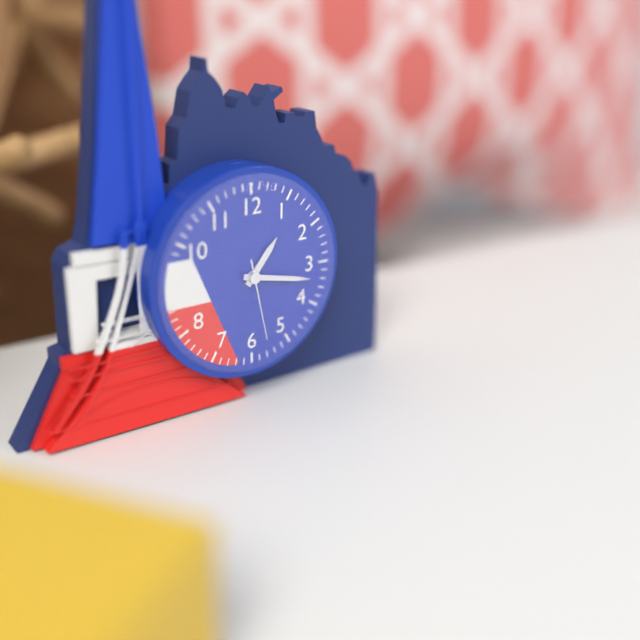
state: 1:17:28
